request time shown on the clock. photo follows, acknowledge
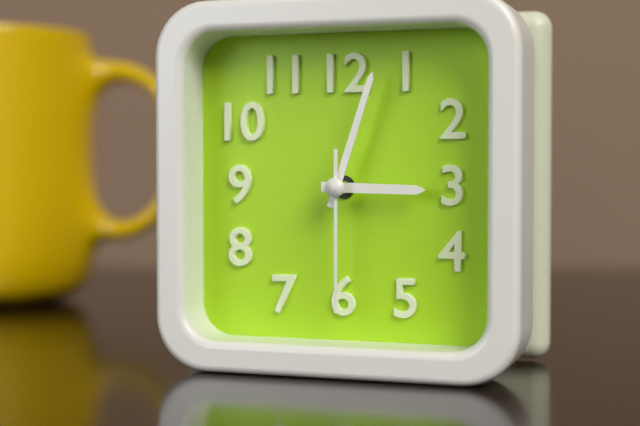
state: 3:03:30
